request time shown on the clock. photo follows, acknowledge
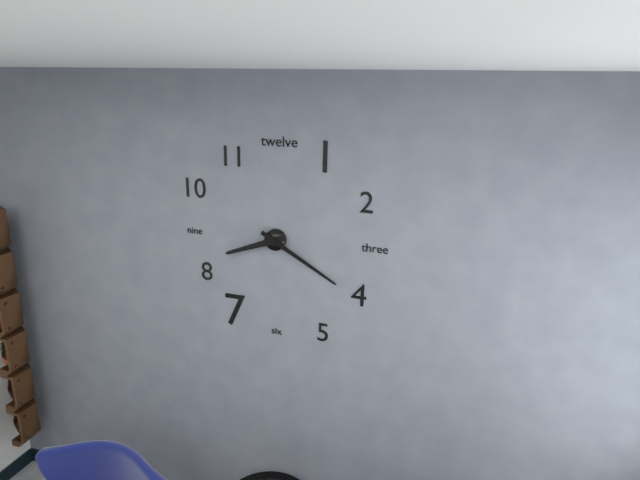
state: 8:20
